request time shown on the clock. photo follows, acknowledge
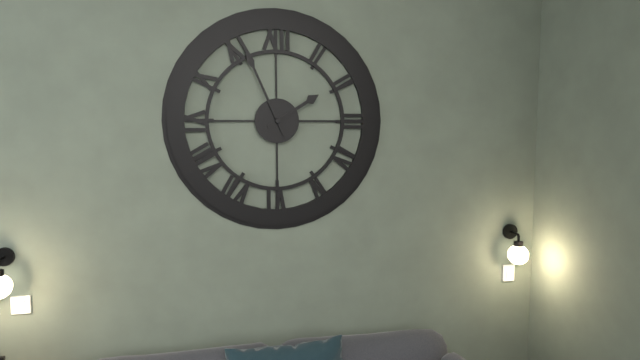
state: 1:56
